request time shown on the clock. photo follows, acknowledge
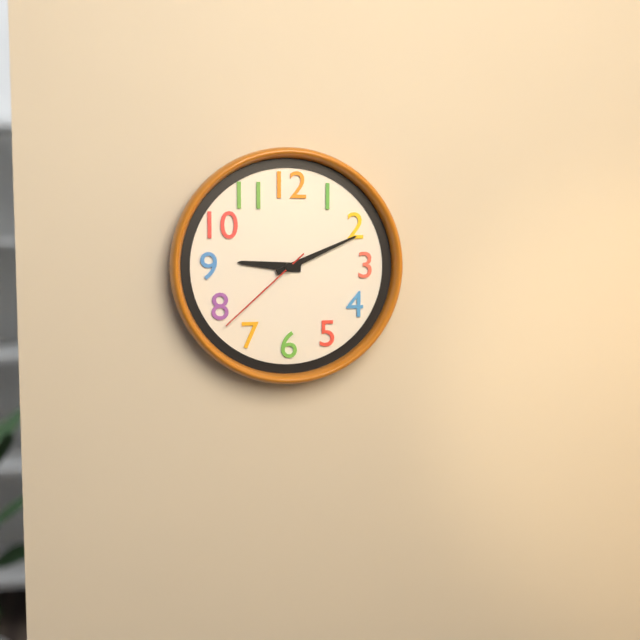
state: 9:11:38
